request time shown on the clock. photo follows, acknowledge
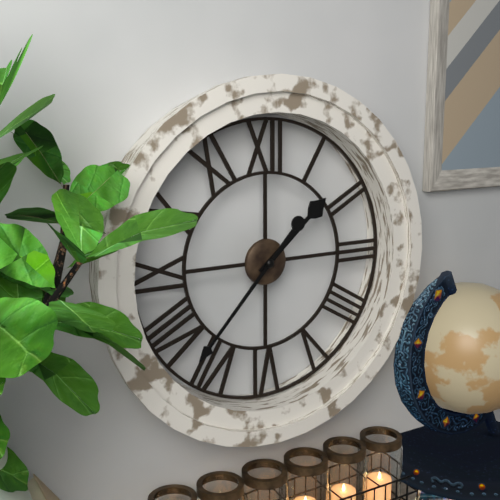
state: 1:37
